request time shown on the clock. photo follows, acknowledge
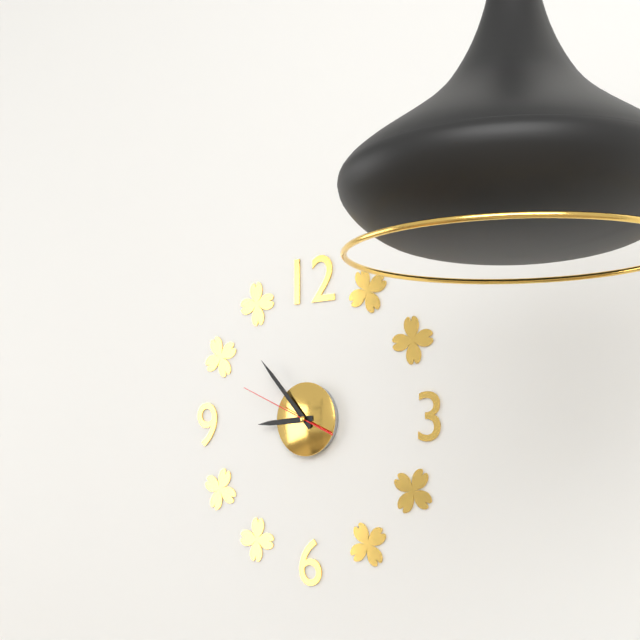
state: 8:53:49
